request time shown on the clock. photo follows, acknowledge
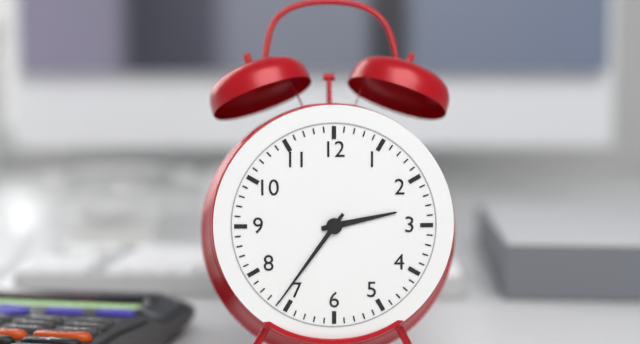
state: 2:36
